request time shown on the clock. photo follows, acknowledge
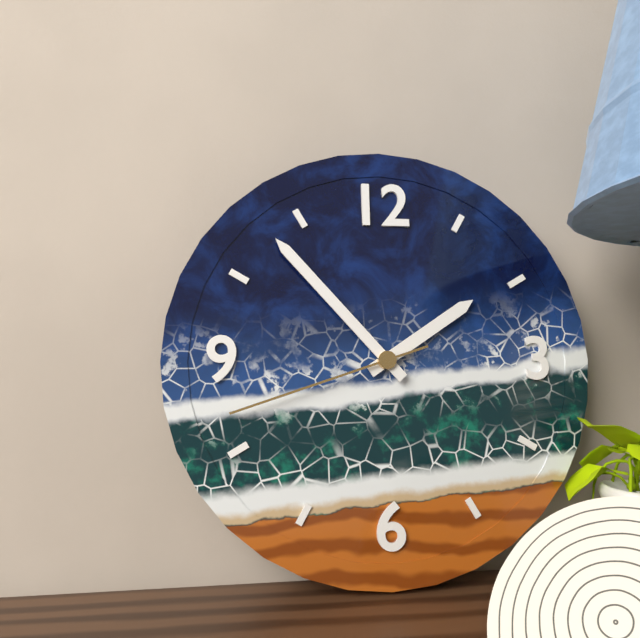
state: 1:53:42
